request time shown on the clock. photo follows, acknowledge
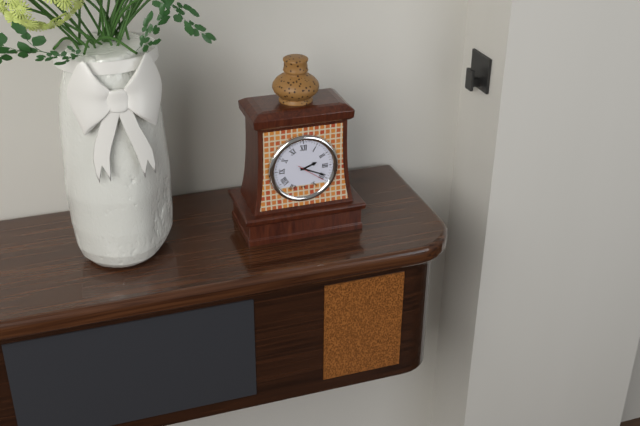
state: 2:19
